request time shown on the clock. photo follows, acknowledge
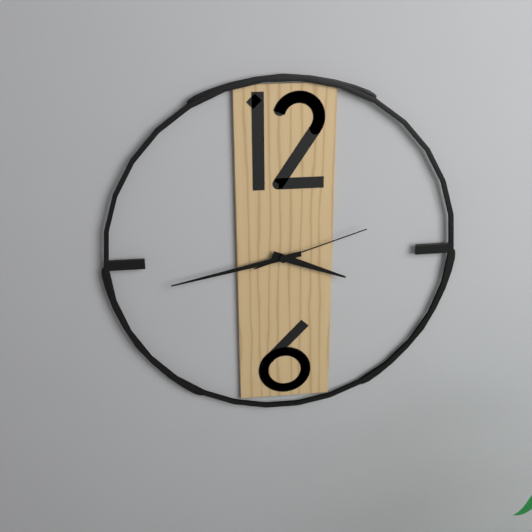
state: 3:43:12
